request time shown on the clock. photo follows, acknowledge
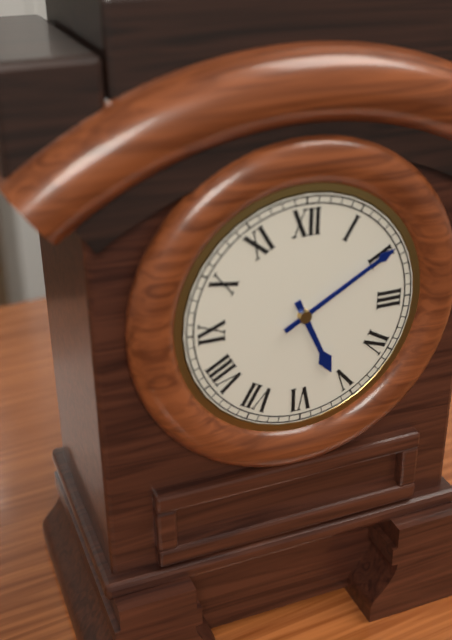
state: 5:10
